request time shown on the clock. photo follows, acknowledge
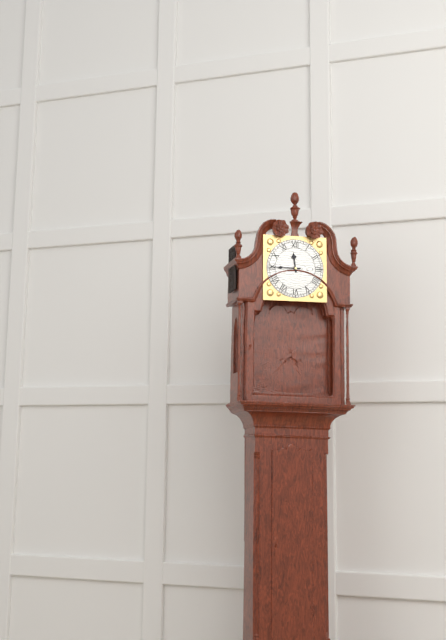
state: 11:45
